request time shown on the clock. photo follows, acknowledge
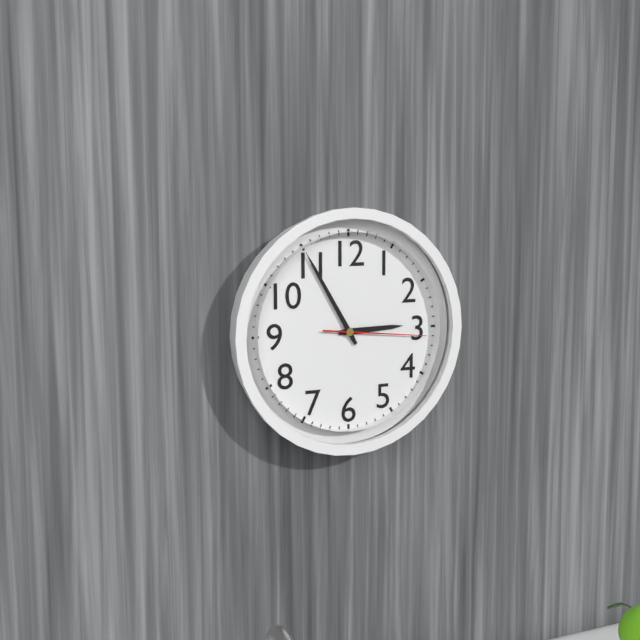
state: 2:55:16
